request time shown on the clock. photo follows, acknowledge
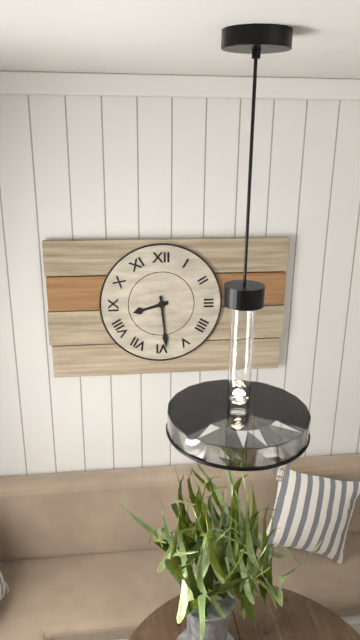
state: 8:29
